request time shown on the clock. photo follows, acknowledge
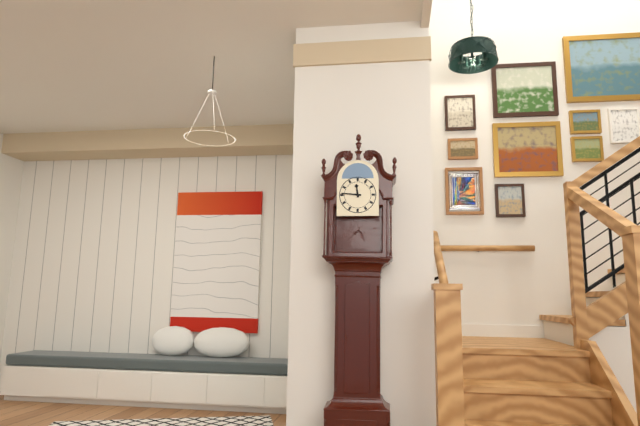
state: 11:46
